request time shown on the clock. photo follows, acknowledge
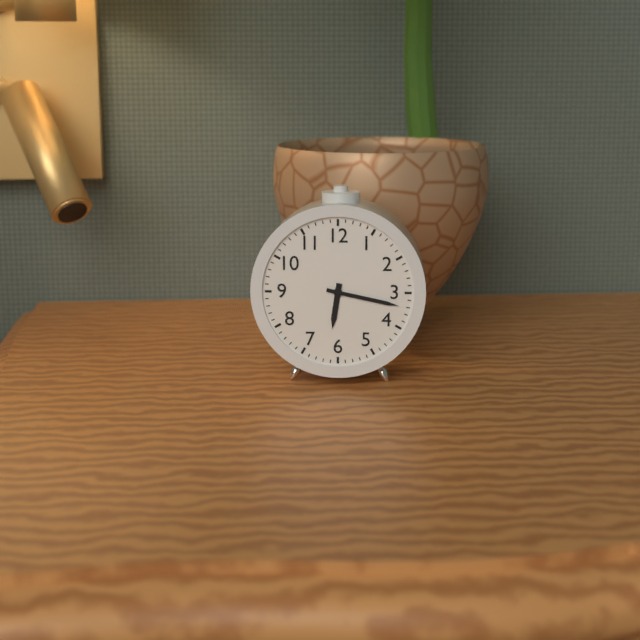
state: 6:17
